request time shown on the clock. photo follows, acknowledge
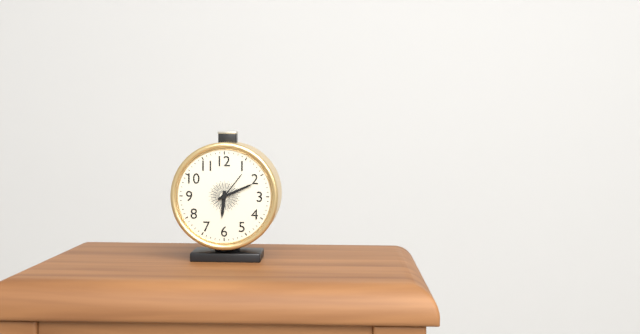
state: 6:11
